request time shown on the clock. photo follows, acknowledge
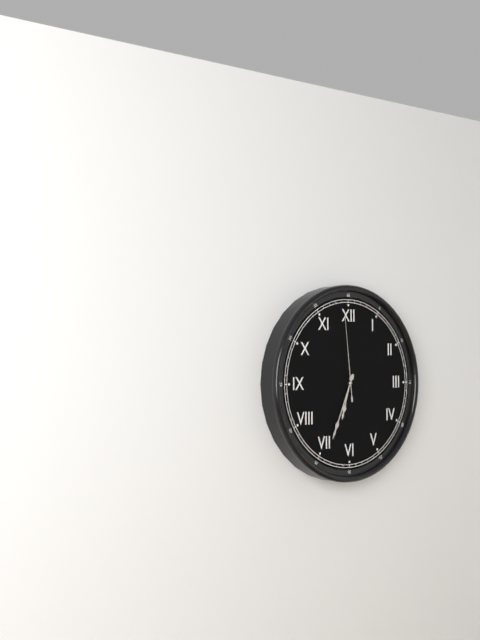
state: 6:34:59
